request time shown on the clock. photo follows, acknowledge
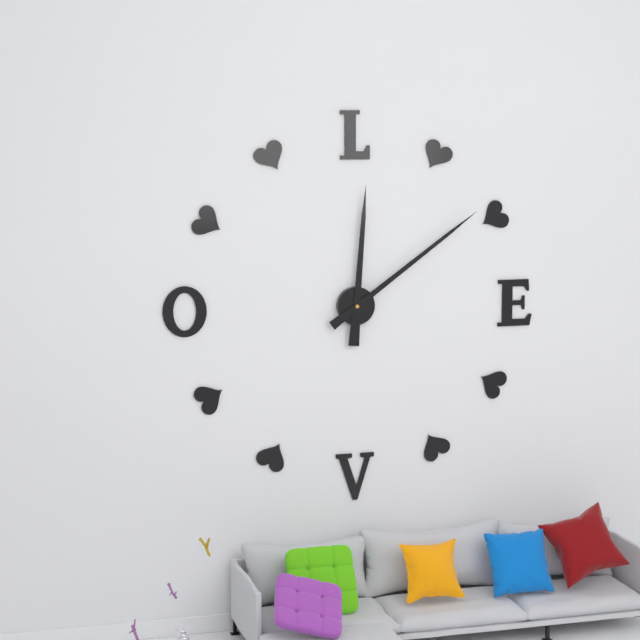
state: 12:09
